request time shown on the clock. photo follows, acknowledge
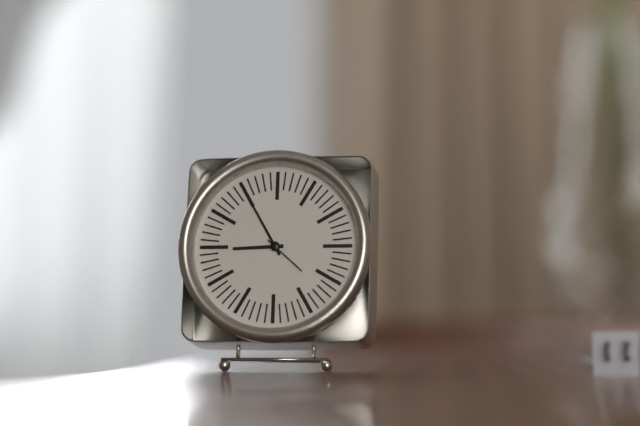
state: 8:55
